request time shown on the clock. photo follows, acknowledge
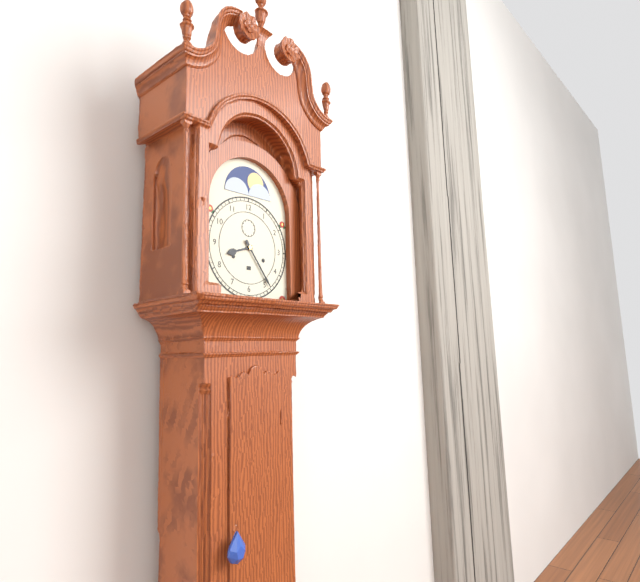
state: 8:24
